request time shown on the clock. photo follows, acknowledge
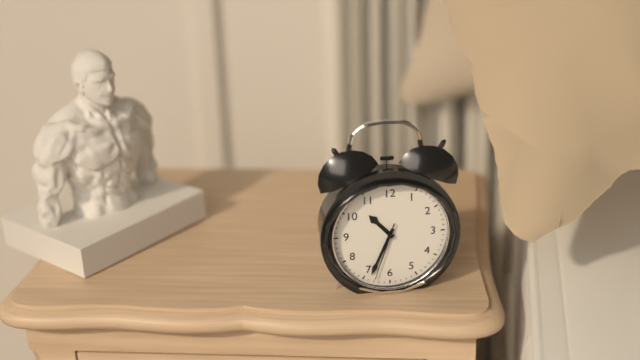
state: 10:34:33
